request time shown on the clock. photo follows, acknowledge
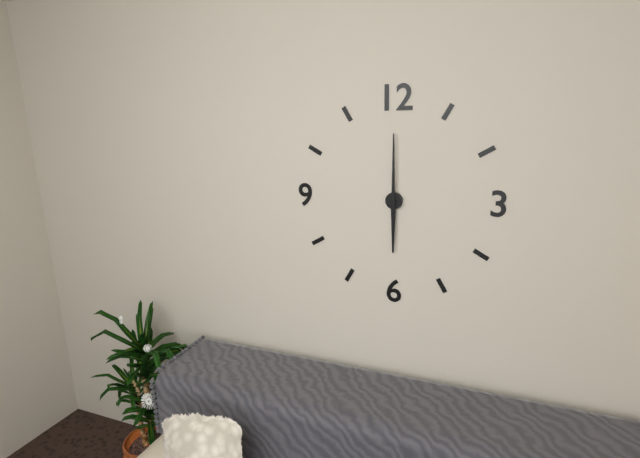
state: 6:00
